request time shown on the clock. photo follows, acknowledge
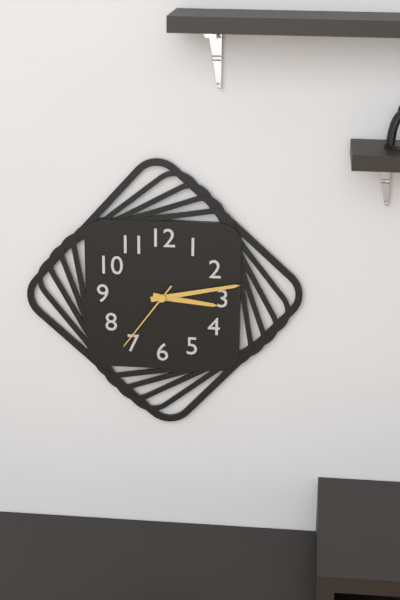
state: 3:13:36
